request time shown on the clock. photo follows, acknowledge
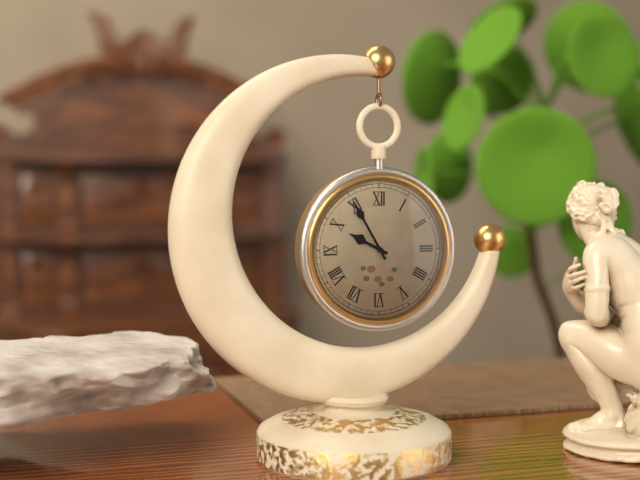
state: 9:55
